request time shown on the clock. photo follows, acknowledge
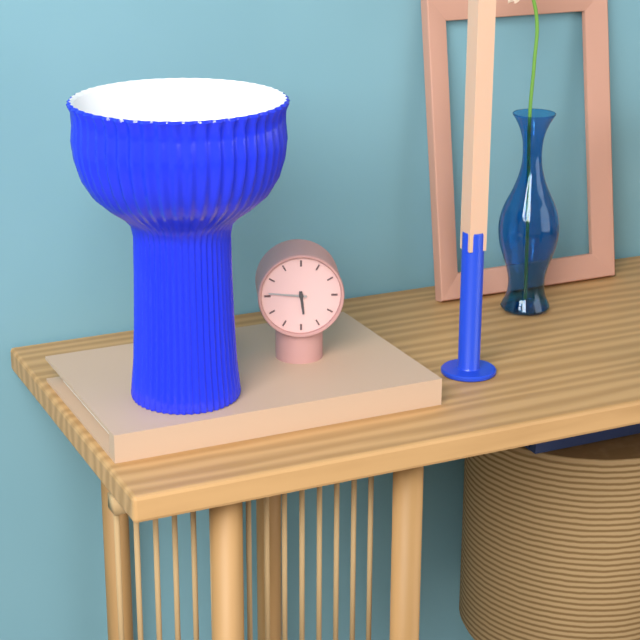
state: 5:46
